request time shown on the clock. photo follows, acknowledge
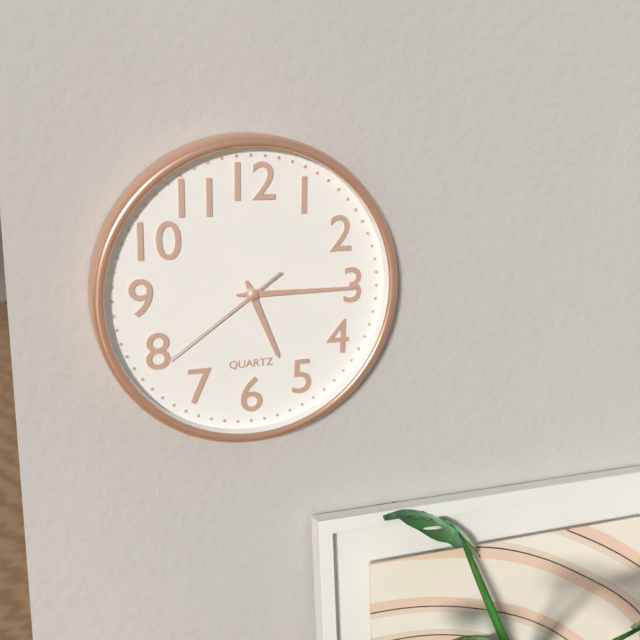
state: 5:15:39
